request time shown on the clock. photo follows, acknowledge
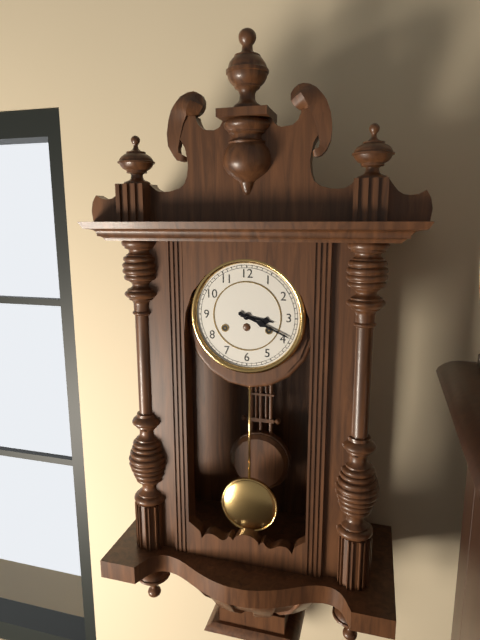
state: 3:19
